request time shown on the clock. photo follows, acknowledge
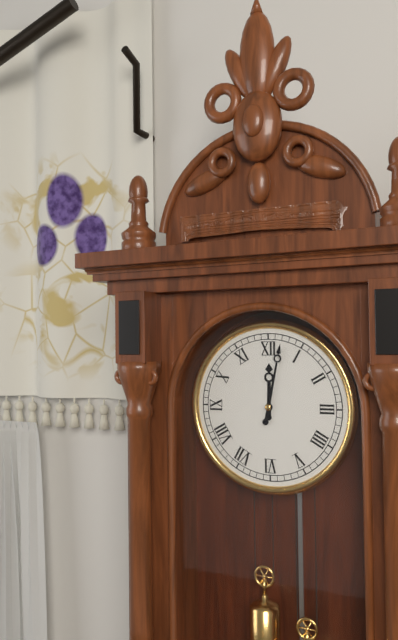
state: 12:02
